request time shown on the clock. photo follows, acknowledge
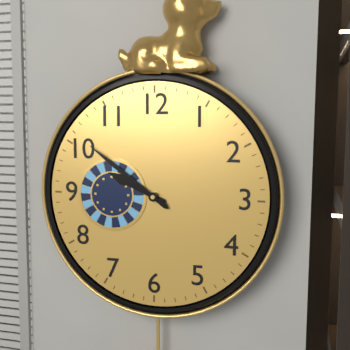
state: 9:51
